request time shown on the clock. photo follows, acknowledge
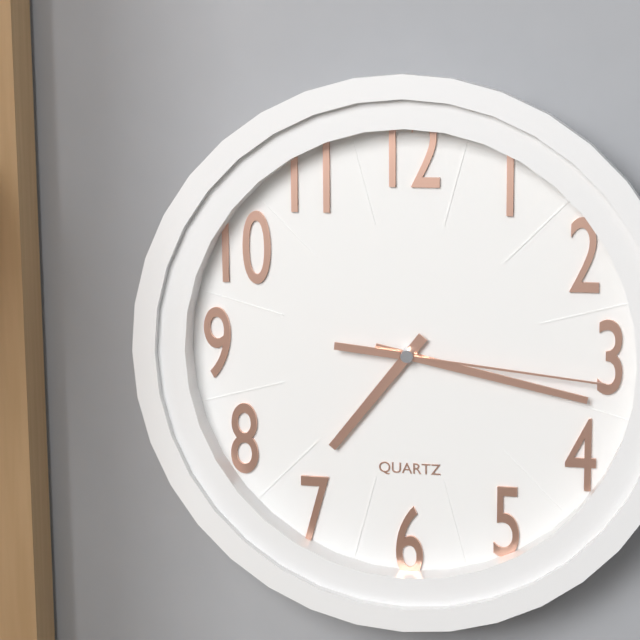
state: 7:17:16
